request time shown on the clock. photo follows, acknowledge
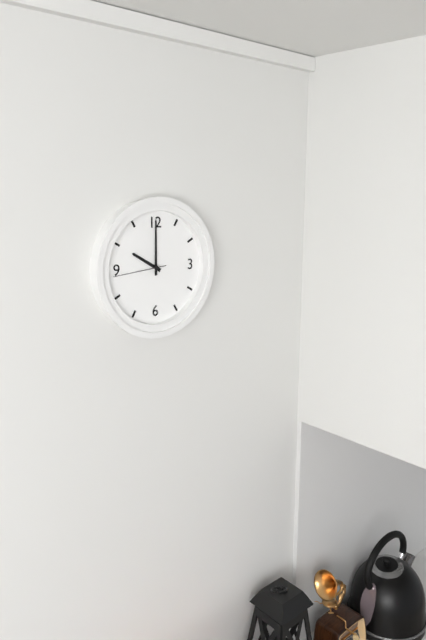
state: 10:00:44
